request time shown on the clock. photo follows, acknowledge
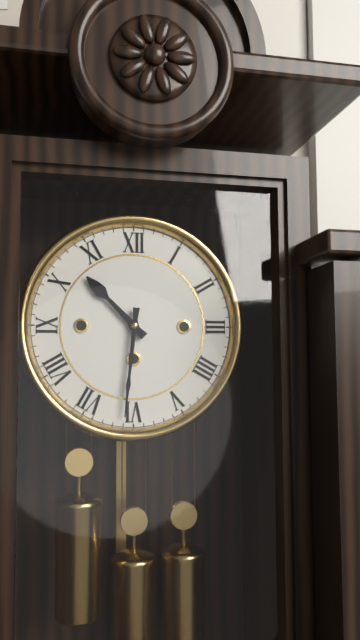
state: 10:31
